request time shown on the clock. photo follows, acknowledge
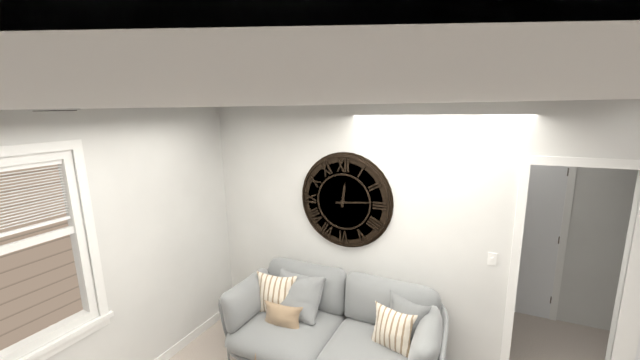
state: 12:14
